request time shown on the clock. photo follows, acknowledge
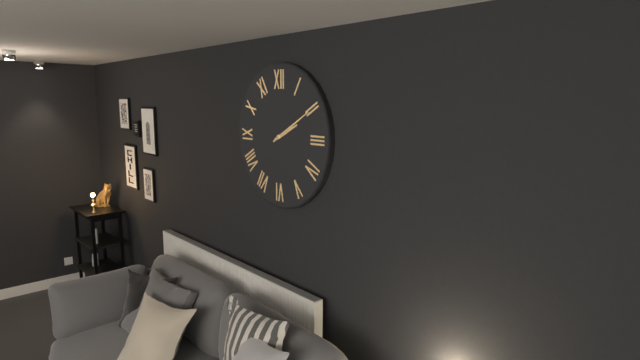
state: 2:10
